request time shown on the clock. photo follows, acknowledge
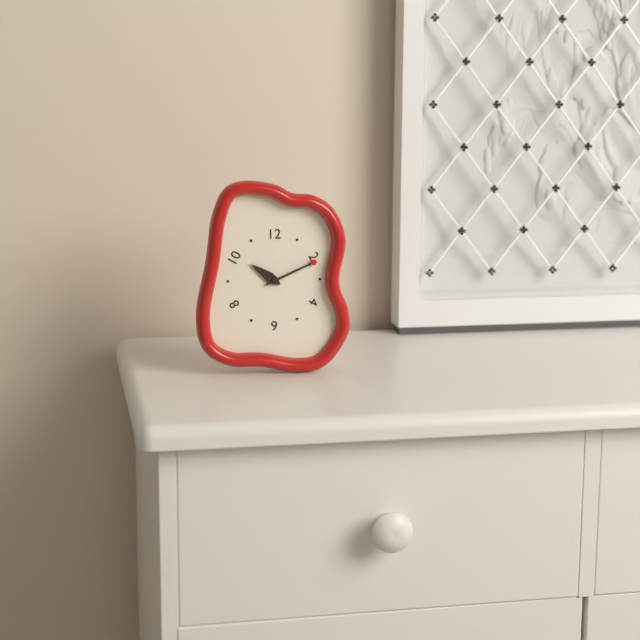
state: 10:11
